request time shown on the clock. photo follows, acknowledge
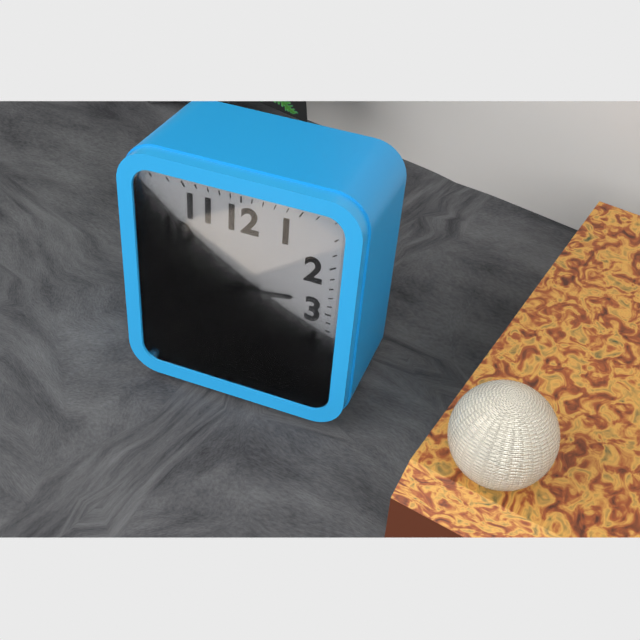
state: 2:40
